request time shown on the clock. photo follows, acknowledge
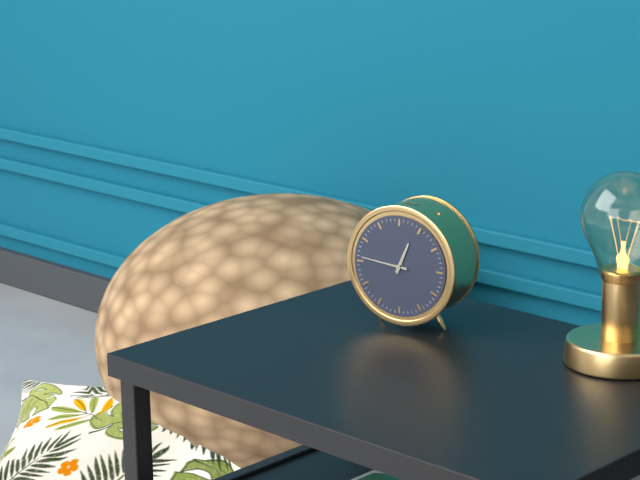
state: 12:46
